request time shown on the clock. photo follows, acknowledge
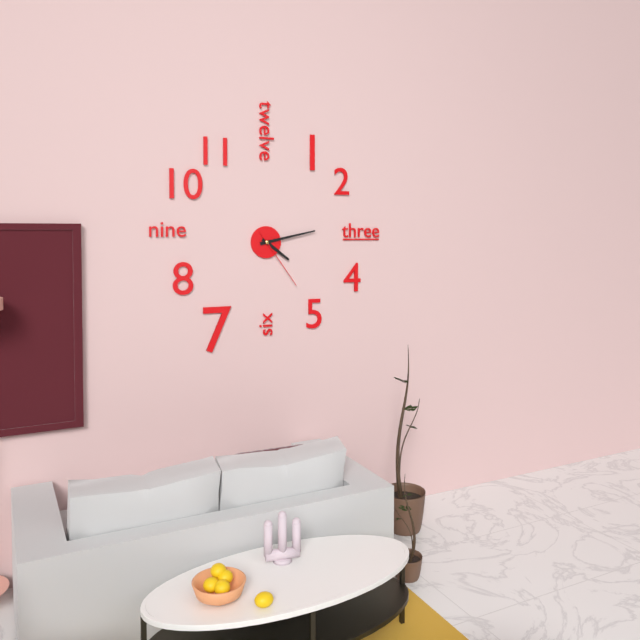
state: 4:13:24
